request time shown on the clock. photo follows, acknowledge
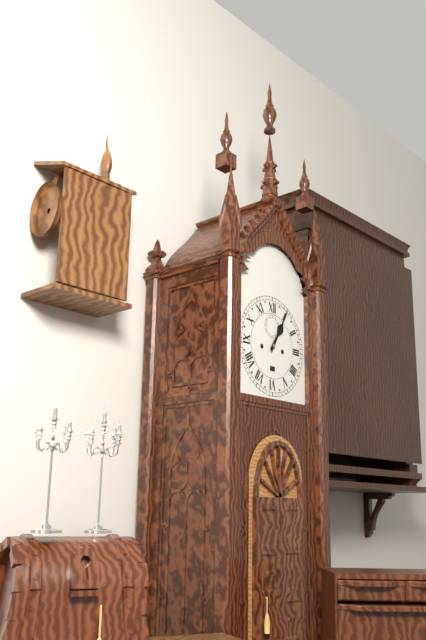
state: 1:05
